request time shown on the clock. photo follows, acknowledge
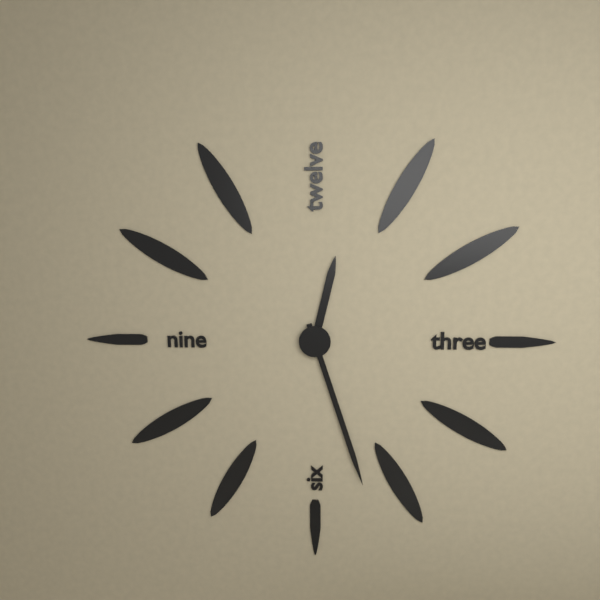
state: 12:27
